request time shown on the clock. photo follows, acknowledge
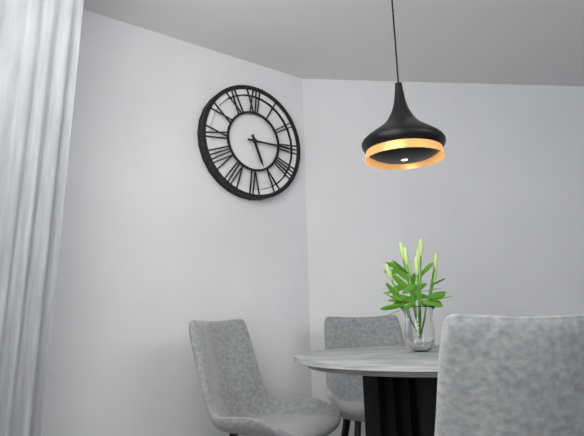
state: 5:15
